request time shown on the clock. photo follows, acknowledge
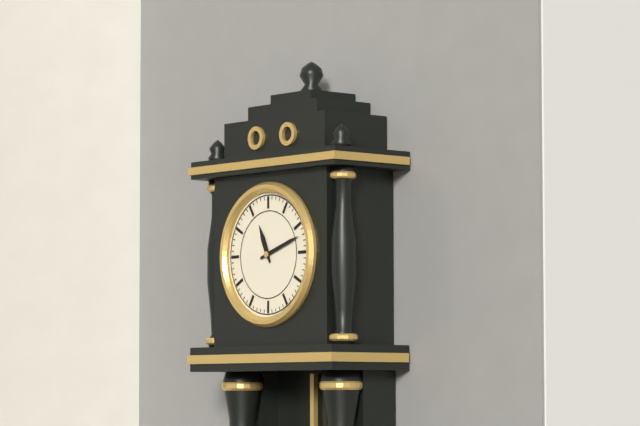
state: 11:12
